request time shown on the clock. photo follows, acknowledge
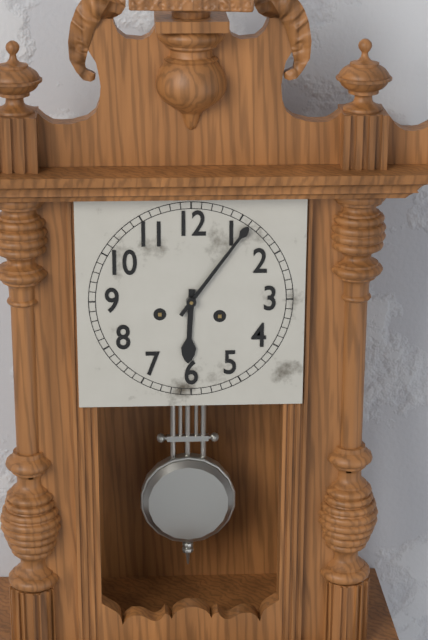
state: 6:06
